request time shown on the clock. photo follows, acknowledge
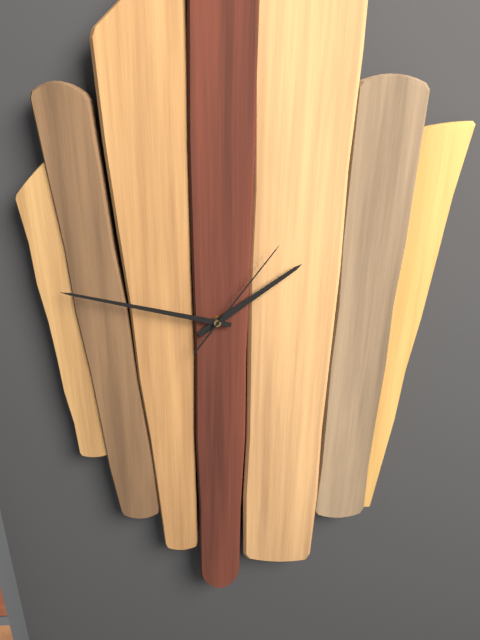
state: 1:47:06
